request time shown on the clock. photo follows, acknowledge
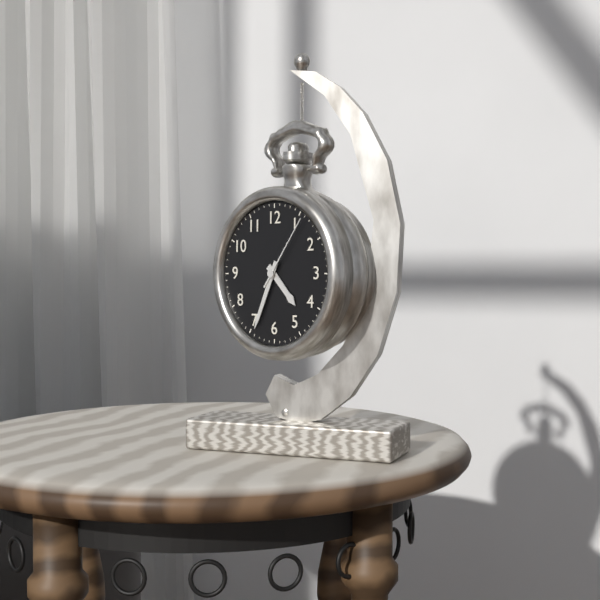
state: 4:34:06
